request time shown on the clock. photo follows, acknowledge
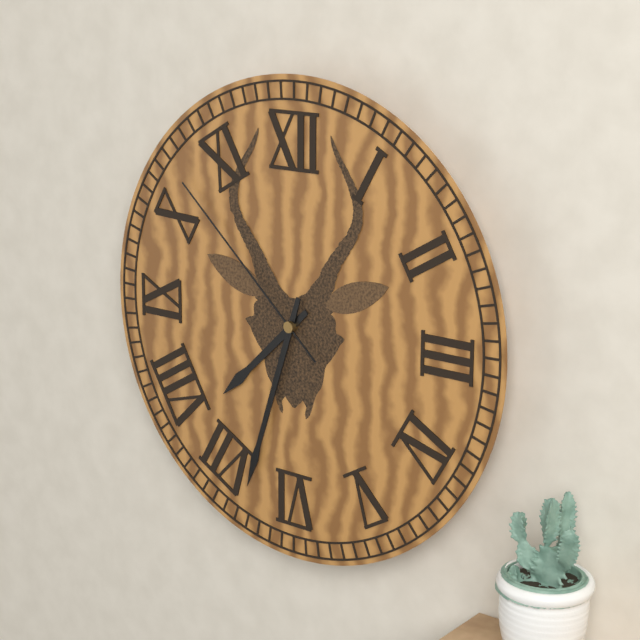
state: 7:33:52
